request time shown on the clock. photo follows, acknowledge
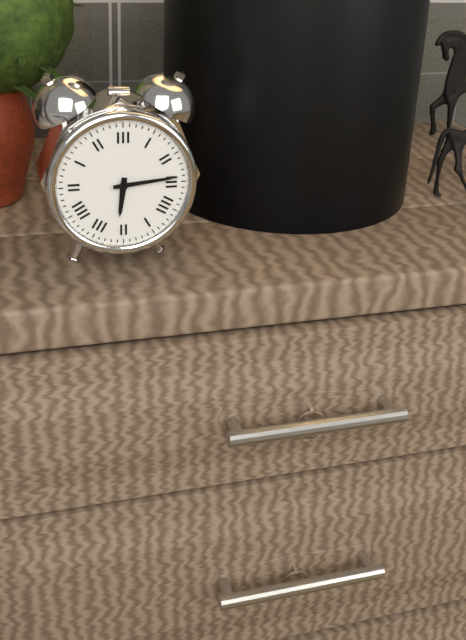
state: 6:14
